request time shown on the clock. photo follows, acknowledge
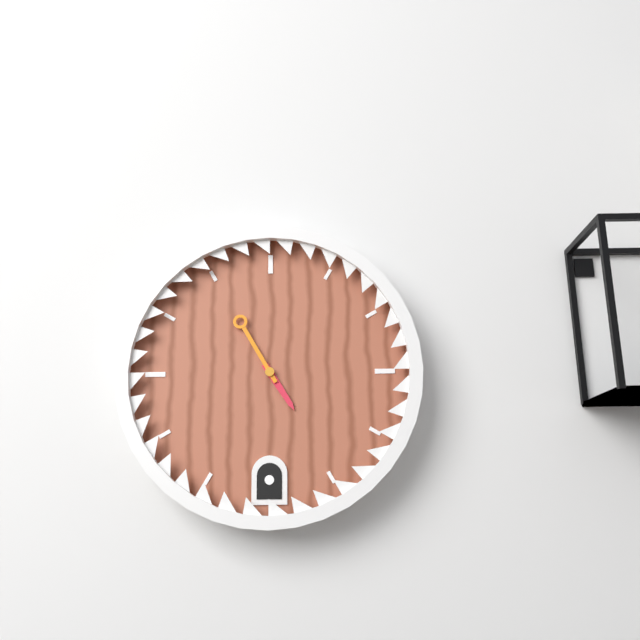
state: 4:55
